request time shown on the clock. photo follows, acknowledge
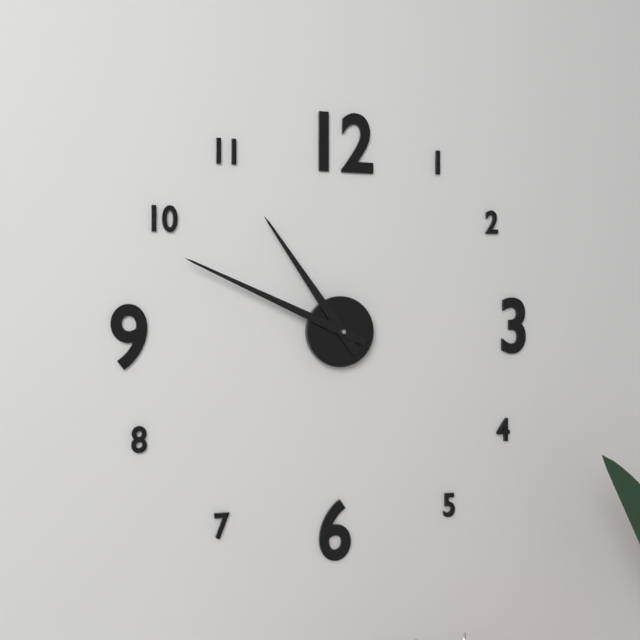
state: 10:49
